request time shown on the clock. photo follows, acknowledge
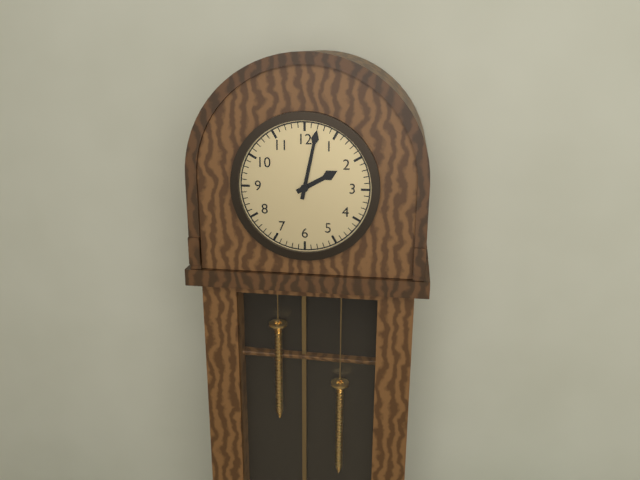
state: 2:02
